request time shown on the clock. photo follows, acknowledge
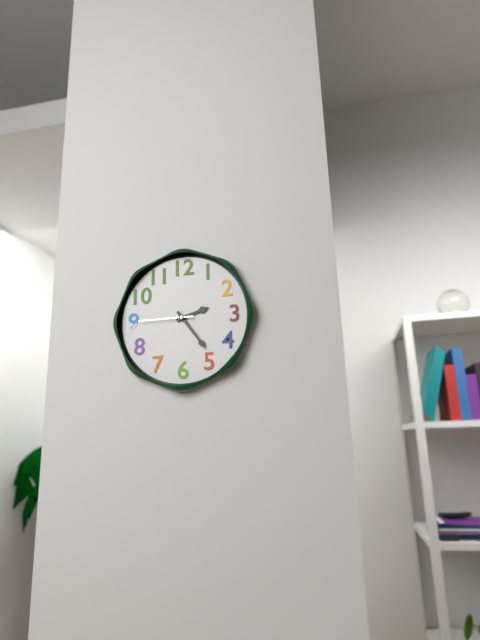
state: 2:24:45
